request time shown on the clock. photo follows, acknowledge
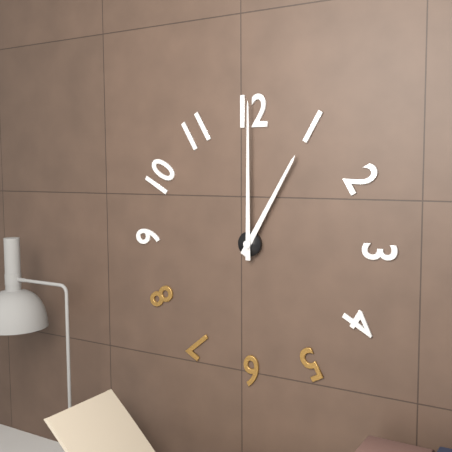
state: 1:00
